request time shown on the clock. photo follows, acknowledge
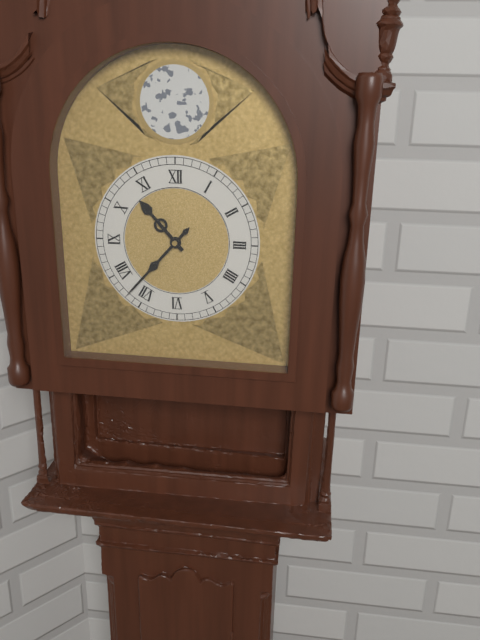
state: 10:37
